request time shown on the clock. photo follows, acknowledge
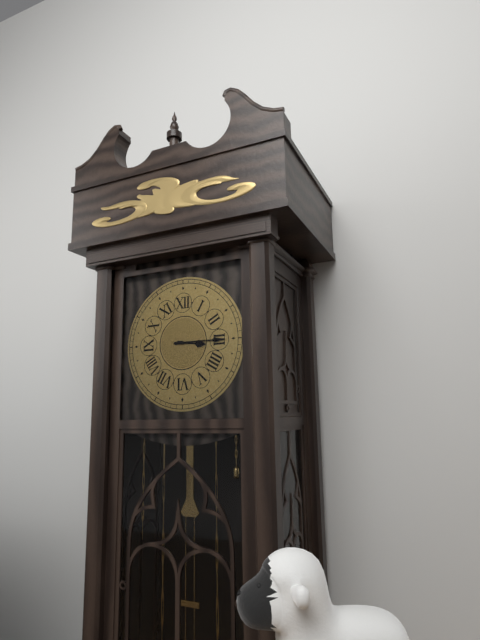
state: 3:15
